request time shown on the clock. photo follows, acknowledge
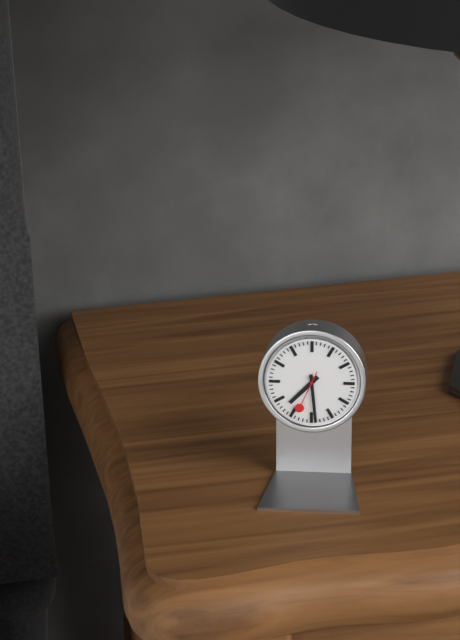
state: 7:29
